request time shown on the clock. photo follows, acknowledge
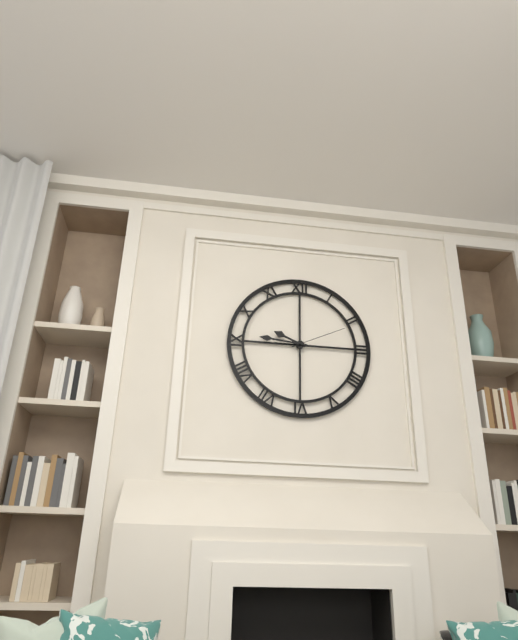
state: 9:46:11
